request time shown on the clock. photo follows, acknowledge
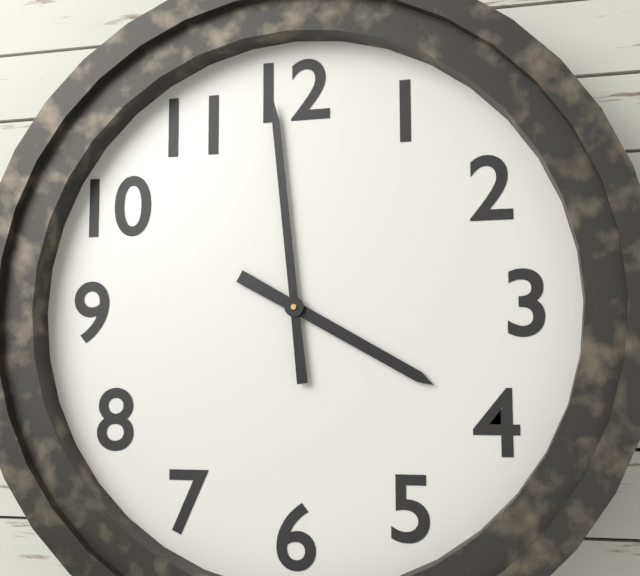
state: 3:59
